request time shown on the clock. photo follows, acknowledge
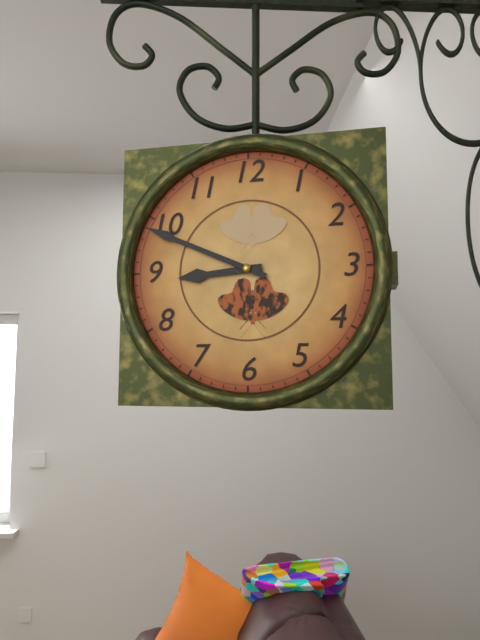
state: 8:49
